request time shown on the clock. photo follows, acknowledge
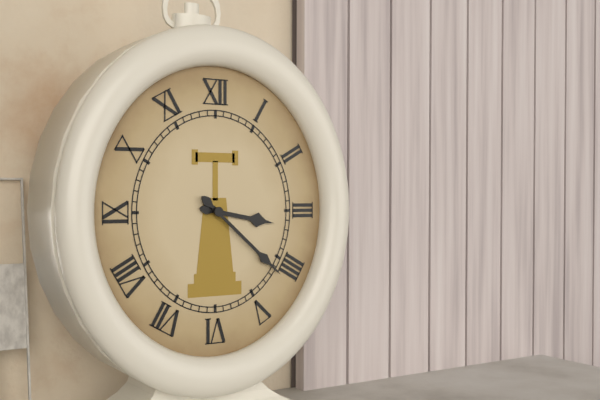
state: 3:22
